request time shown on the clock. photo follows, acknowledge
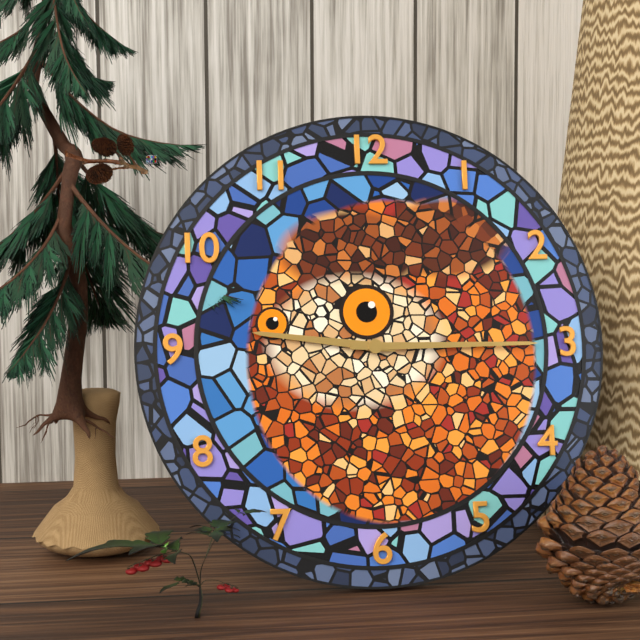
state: 9:15
